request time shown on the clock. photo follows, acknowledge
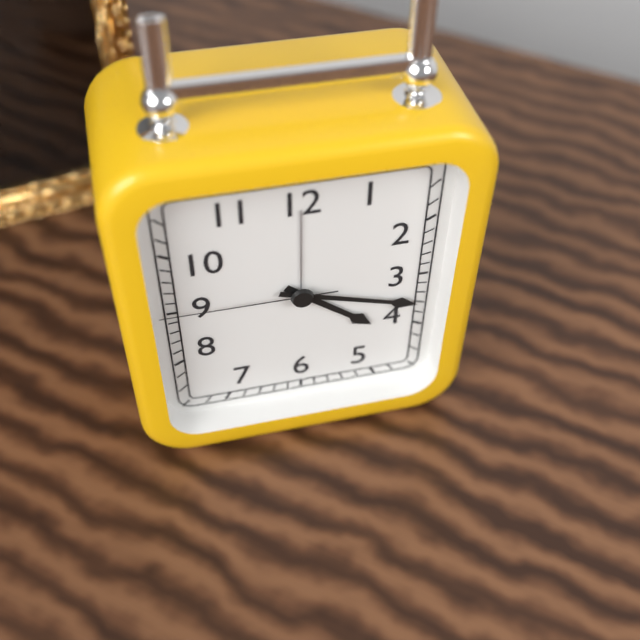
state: 4:18:45
